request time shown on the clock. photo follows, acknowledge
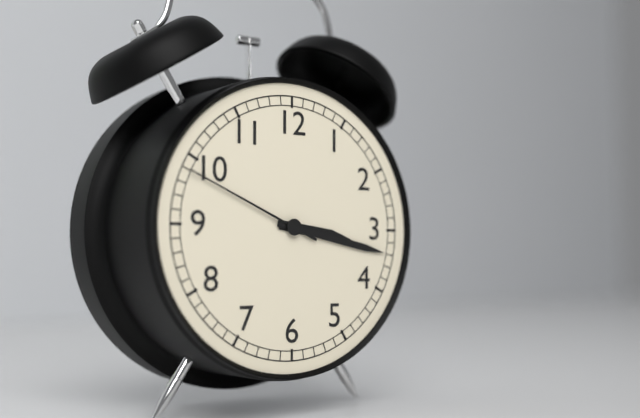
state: 3:17:49
